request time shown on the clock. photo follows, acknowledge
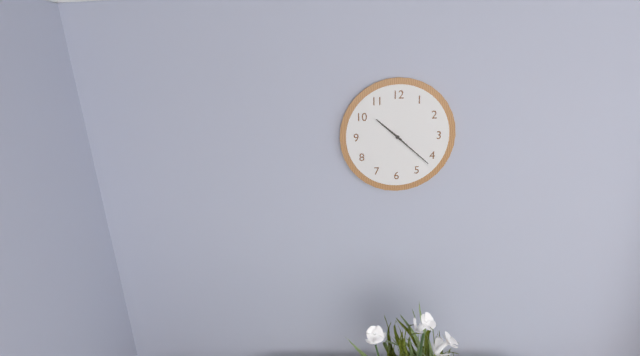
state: 10:22
